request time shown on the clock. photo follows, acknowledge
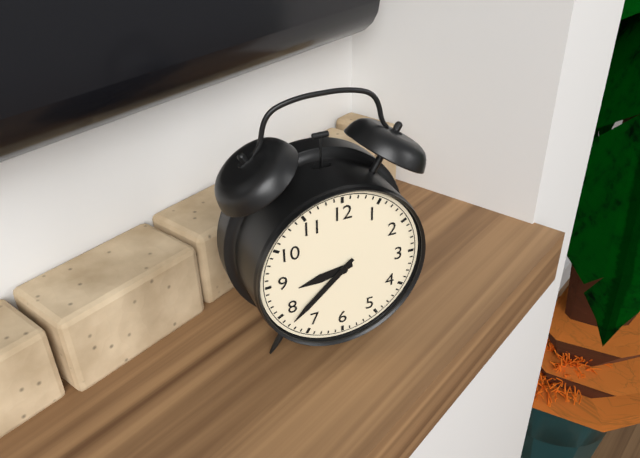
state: 8:38
